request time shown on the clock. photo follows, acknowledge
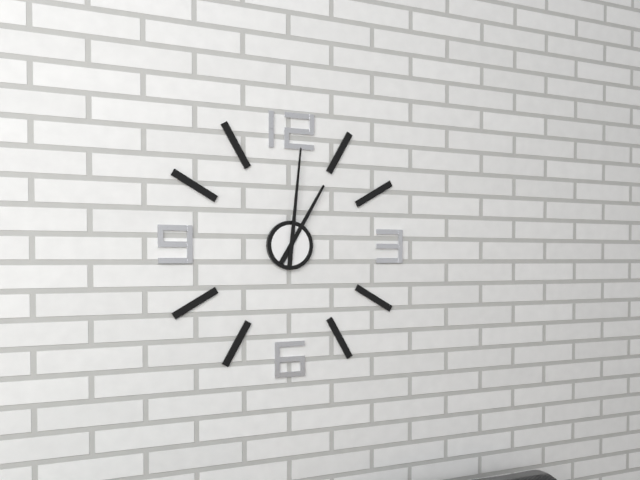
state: 1:01
